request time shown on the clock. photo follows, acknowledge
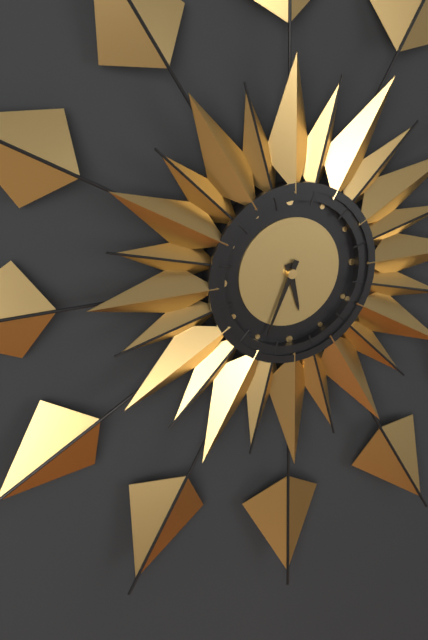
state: 5:34
